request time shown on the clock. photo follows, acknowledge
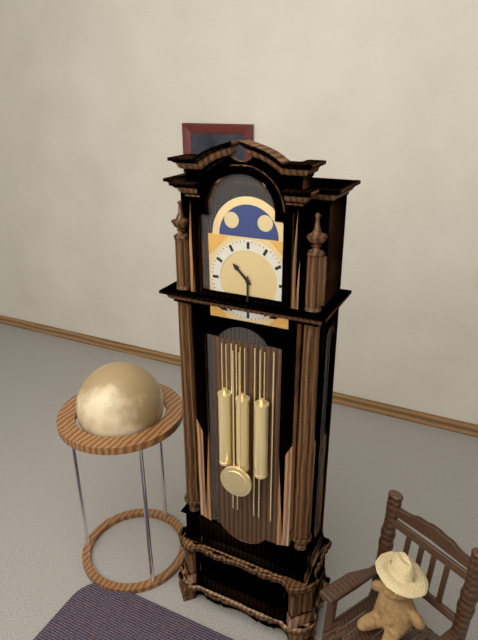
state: 10:30
